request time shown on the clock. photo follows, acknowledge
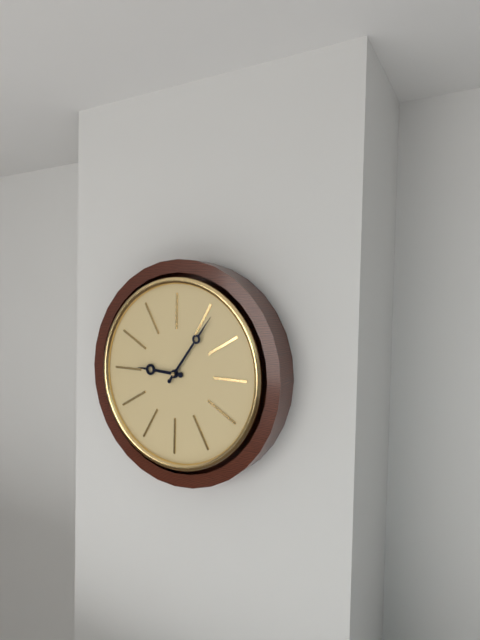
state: 9:06
